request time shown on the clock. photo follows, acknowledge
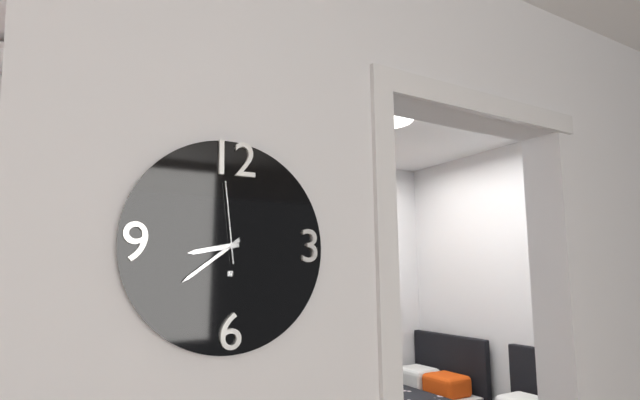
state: 8:39:59
